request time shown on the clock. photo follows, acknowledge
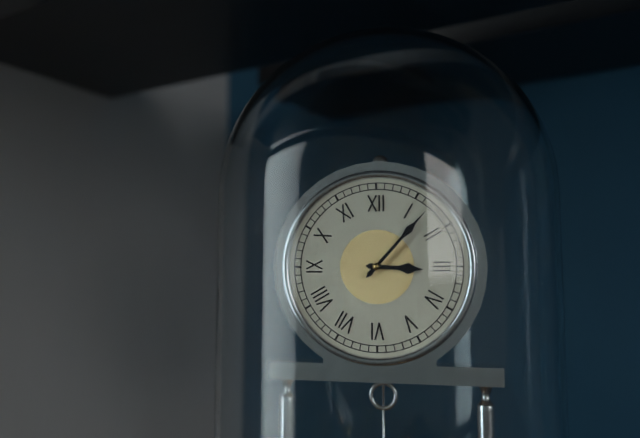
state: 3:07
